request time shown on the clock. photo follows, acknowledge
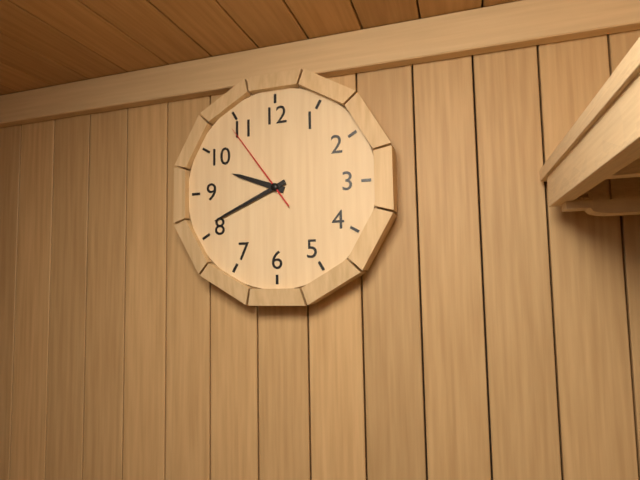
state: 9:41:54
